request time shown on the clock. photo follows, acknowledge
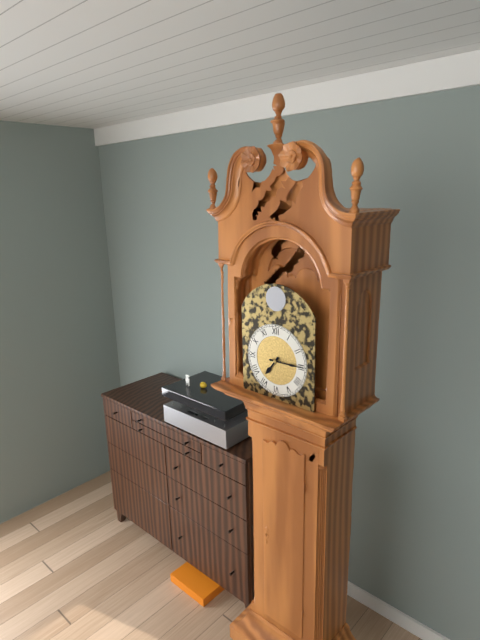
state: 7:15
